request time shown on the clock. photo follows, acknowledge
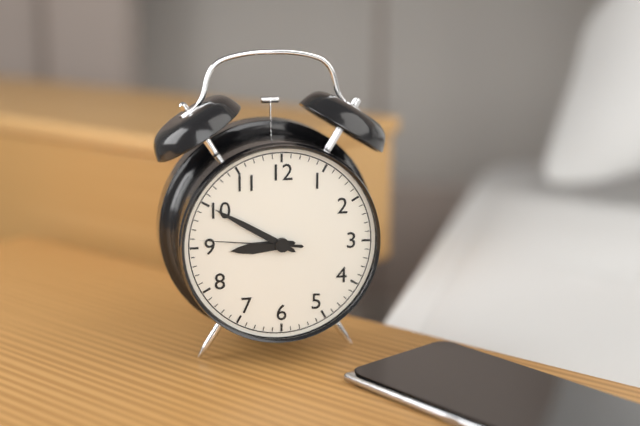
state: 8:50:46
